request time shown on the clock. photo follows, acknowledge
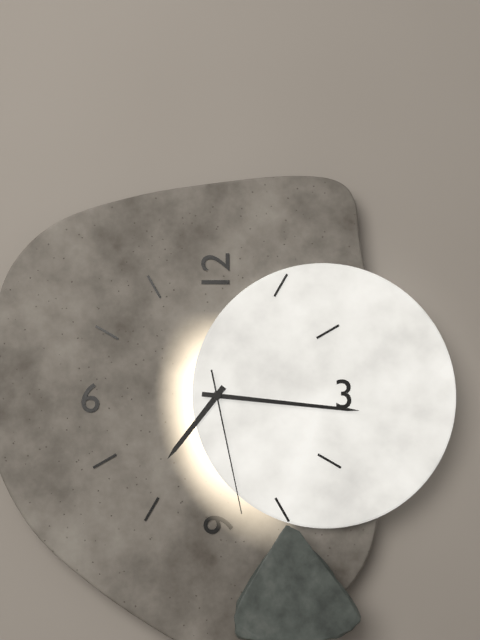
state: 7:16:28
